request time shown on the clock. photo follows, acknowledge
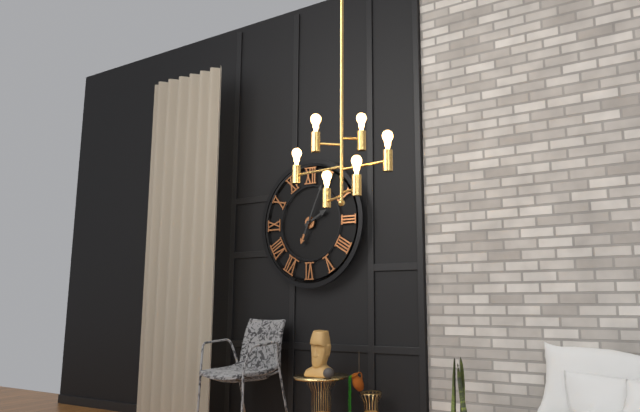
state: 2:04
